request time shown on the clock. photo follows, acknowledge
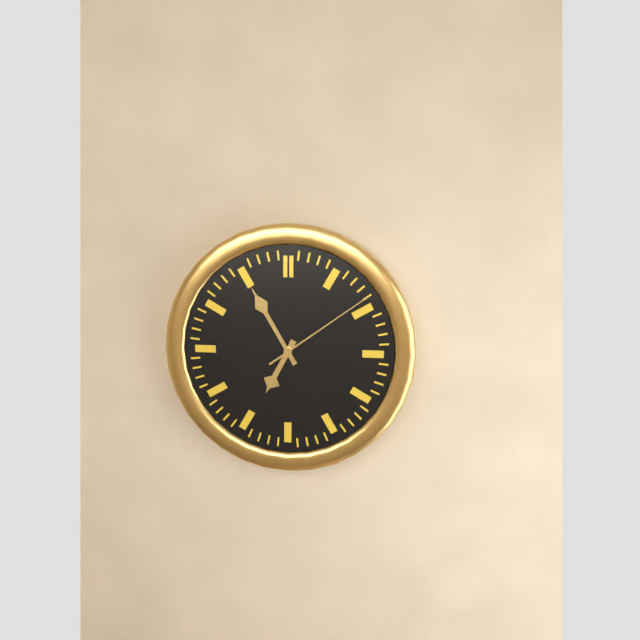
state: 6:55:09
